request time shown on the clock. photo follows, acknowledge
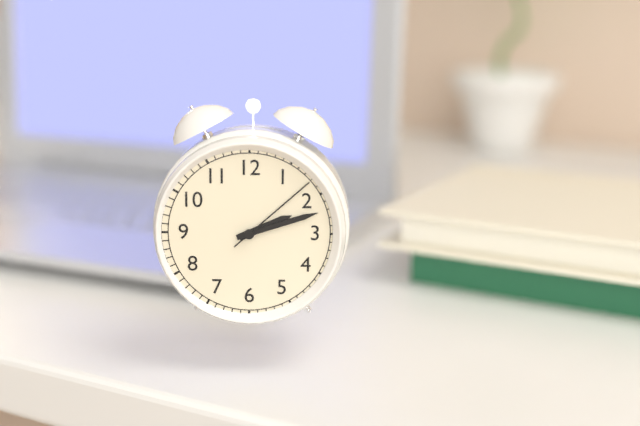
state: 2:12:08
